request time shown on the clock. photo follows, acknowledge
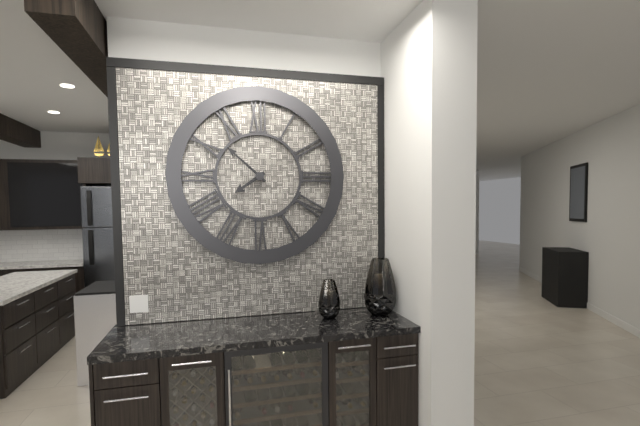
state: 7:52
